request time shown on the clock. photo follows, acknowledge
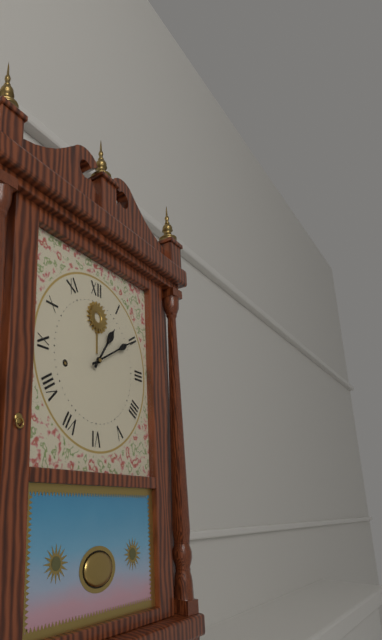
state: 1:10
